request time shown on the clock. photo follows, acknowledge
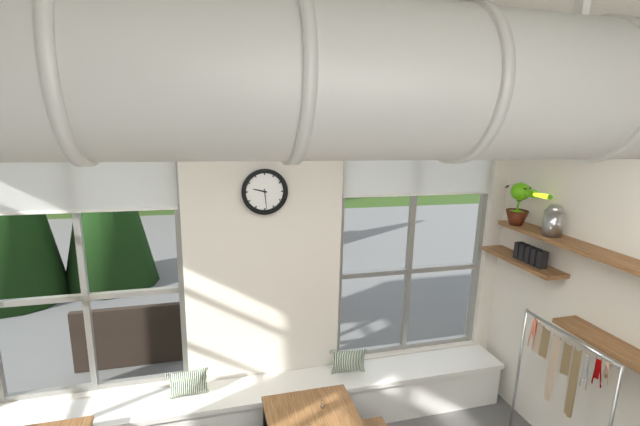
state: 9:29
